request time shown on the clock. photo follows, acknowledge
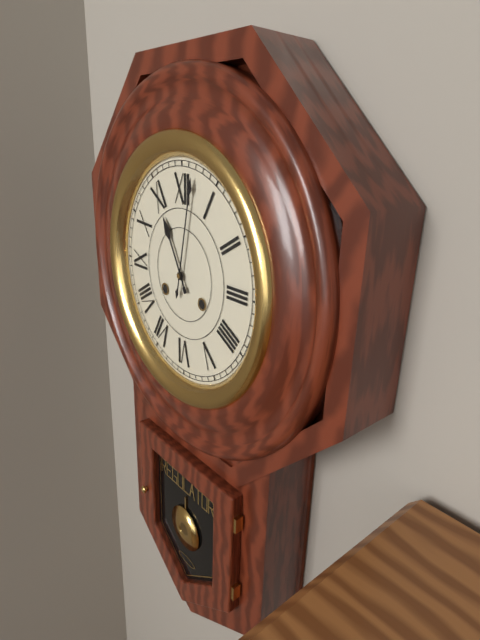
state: 11:02
